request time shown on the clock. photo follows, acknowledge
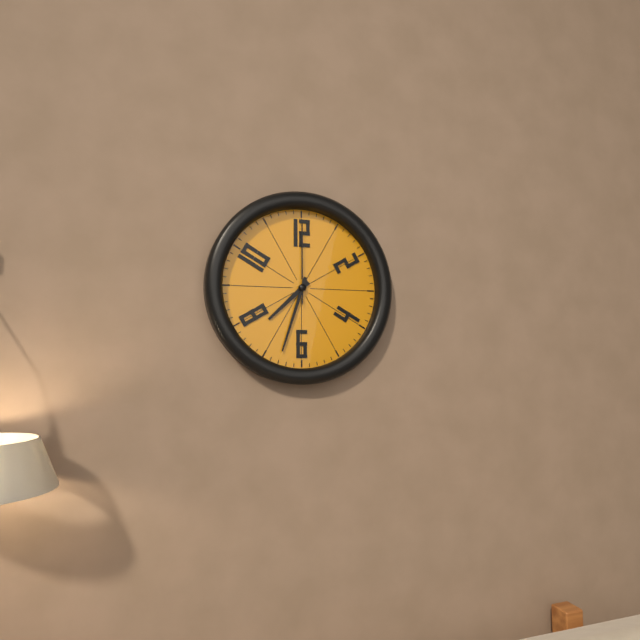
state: 7:33:00
